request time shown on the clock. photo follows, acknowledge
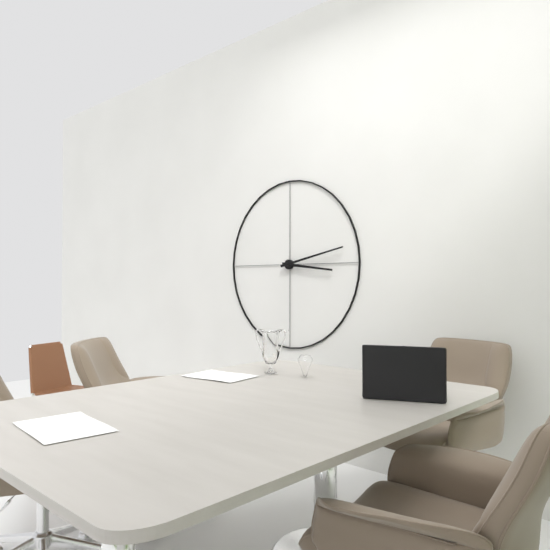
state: 3:13
